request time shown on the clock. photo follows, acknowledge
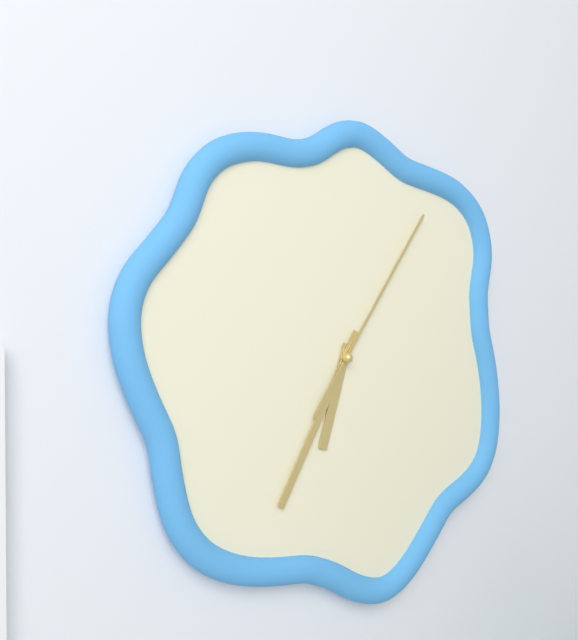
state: 6:35:06
